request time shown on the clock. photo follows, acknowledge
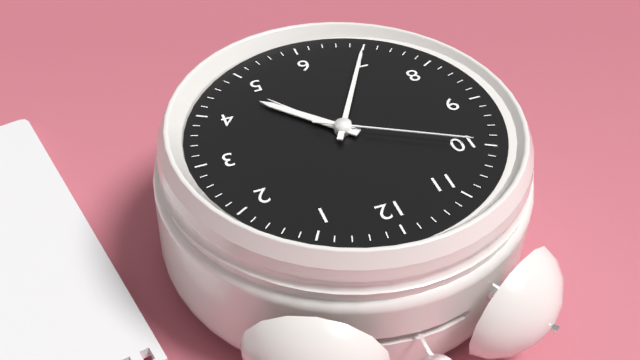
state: 4:35:50
